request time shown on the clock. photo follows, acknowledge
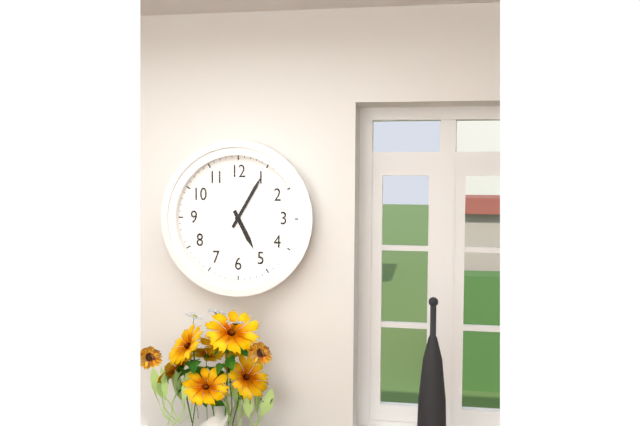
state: 5:05
